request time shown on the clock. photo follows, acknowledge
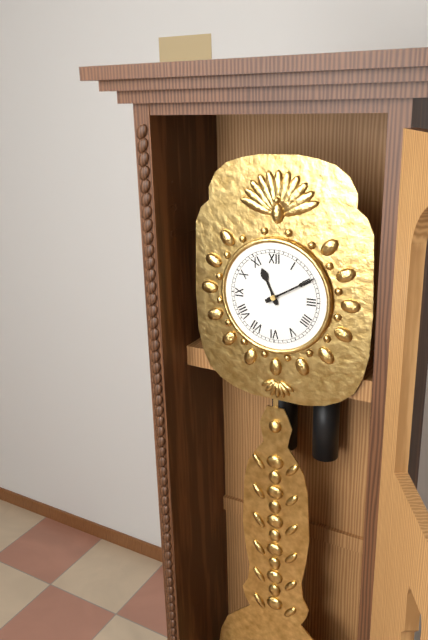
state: 11:10
